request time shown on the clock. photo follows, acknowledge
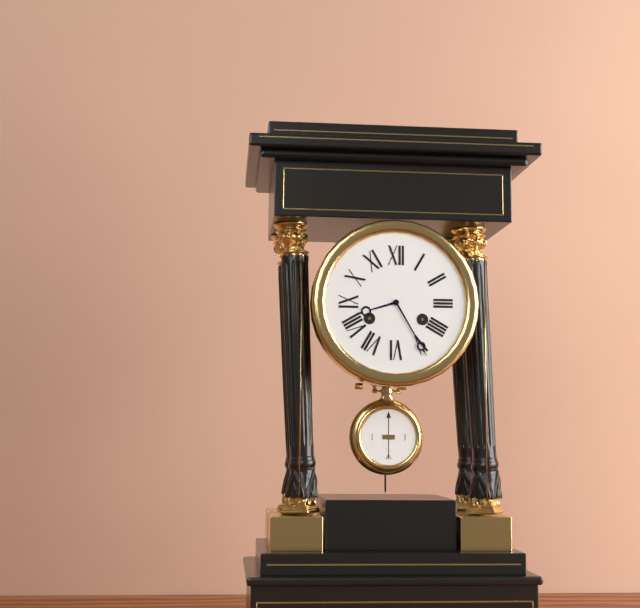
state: 8:25
